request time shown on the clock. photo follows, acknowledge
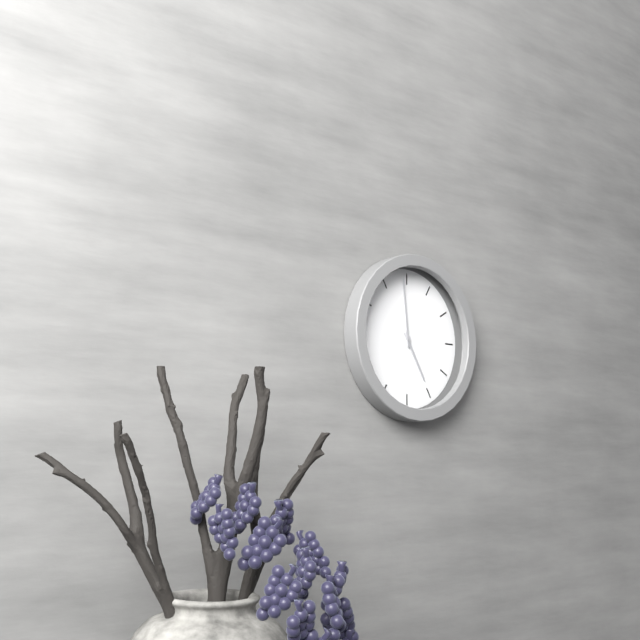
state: 4:59
